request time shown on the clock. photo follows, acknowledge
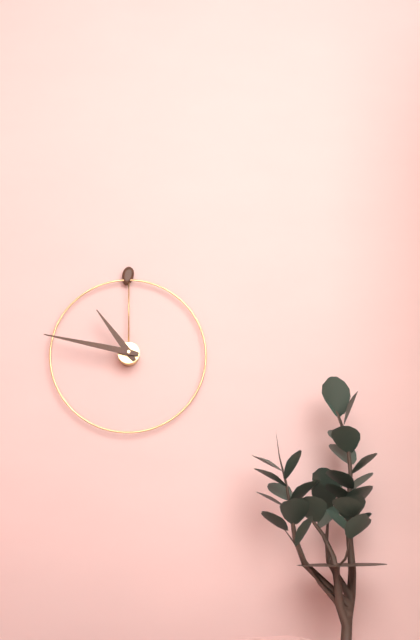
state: 10:47
